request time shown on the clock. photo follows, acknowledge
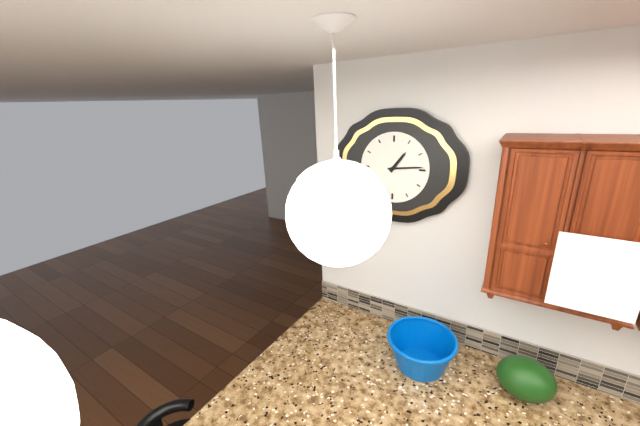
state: 1:14
